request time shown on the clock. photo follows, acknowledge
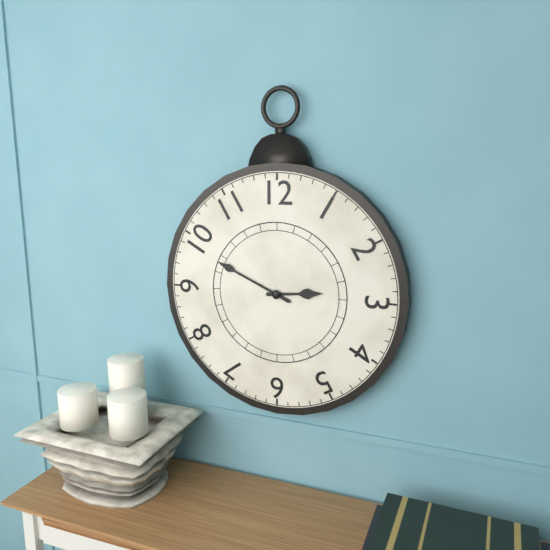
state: 2:49
